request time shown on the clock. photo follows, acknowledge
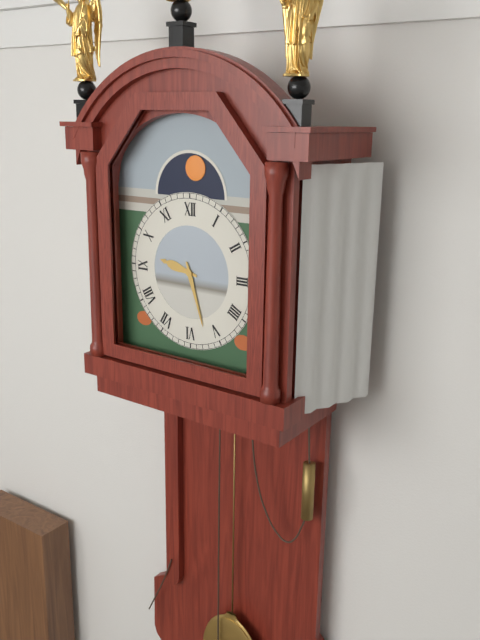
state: 9:27
